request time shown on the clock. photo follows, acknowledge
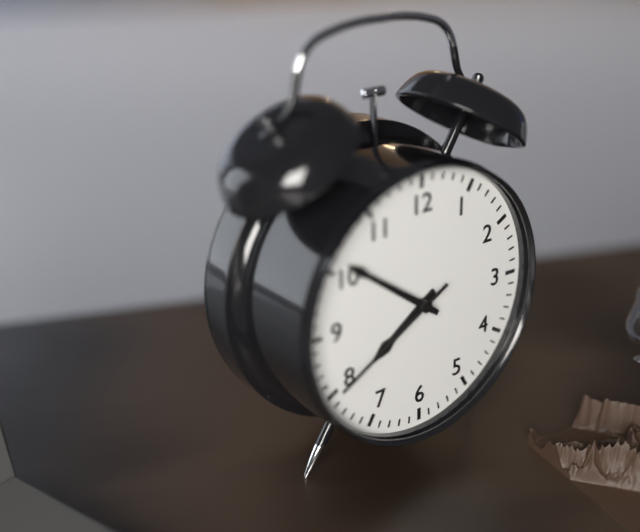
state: 7:51:40
